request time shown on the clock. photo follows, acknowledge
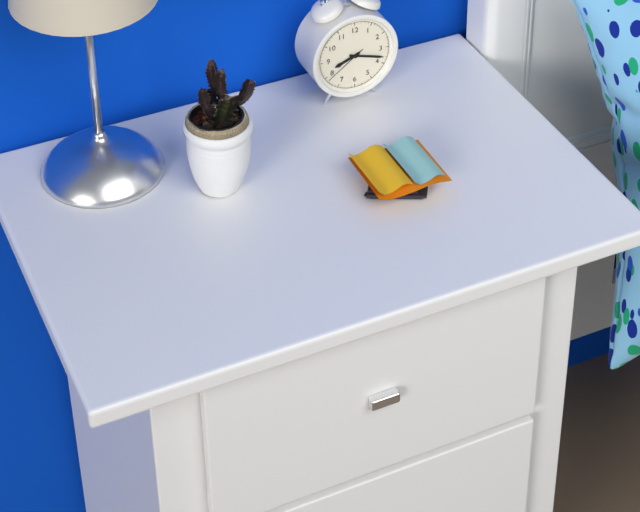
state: 8:18
